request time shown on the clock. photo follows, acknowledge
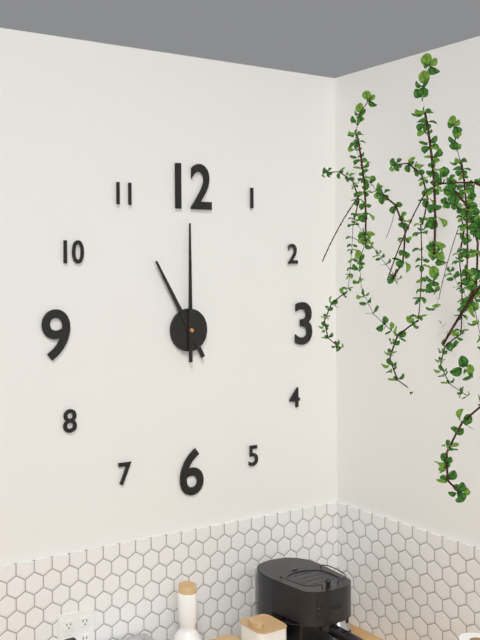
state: 11:00
